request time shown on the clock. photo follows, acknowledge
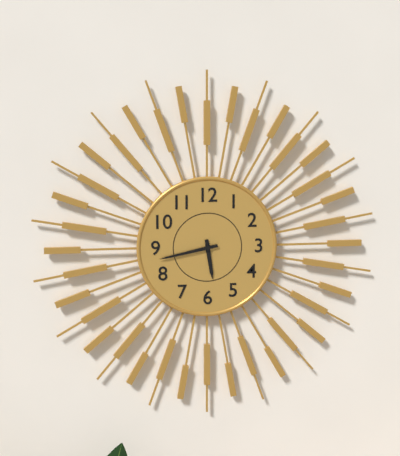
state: 5:43
